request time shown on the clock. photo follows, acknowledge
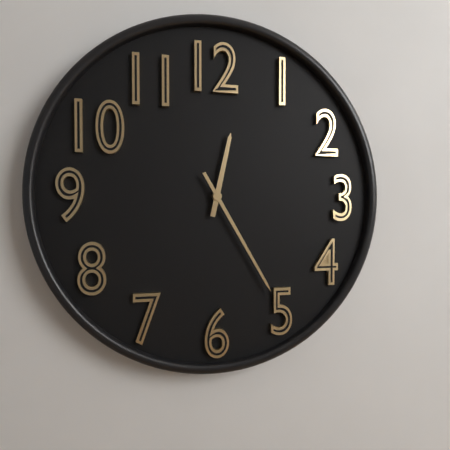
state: 12:25
